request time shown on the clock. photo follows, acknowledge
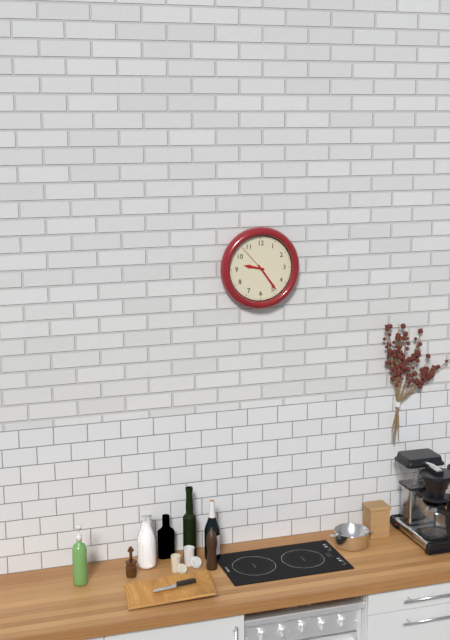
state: 9:24
